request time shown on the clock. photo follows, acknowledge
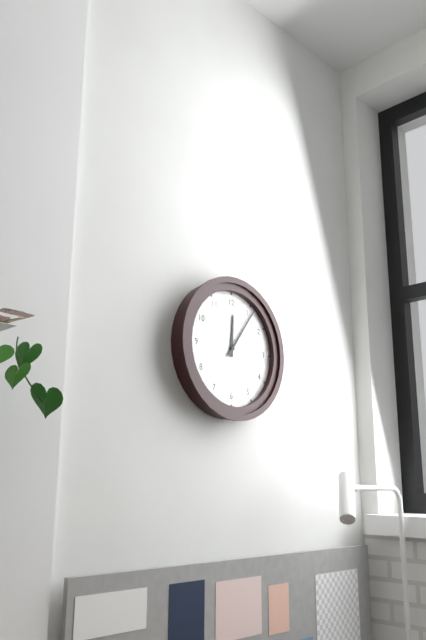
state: 12:06
